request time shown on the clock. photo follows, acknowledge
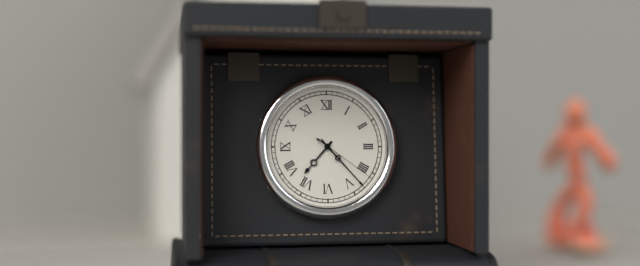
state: 7:23:21
